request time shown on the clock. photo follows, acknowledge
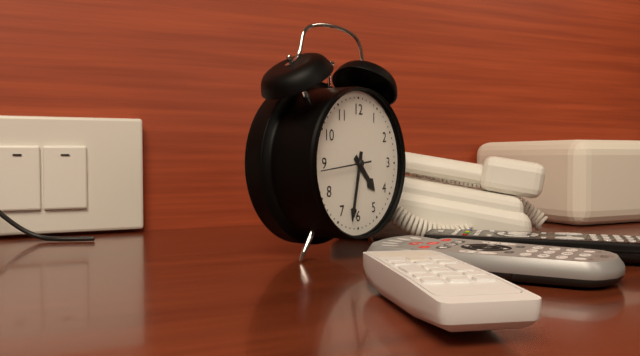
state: 4:32:44
